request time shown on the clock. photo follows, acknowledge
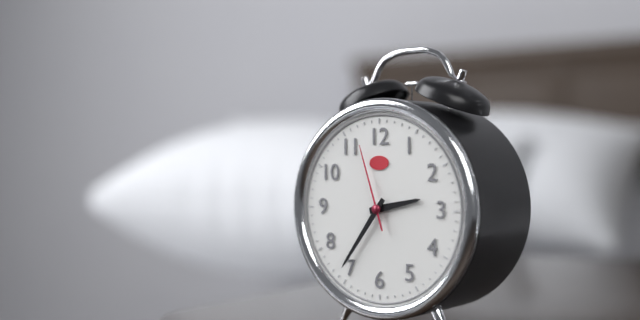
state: 2:36:57
